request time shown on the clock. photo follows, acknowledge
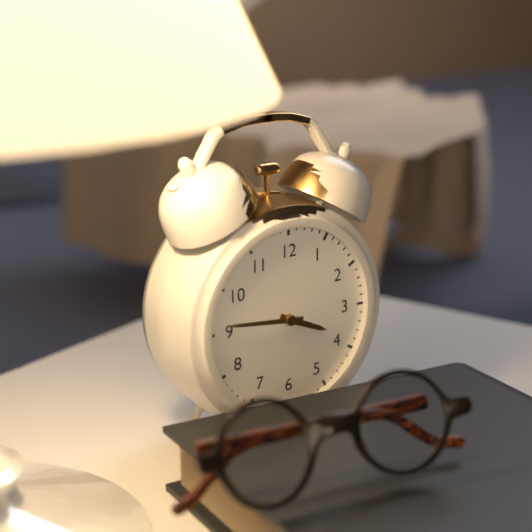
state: 3:46
